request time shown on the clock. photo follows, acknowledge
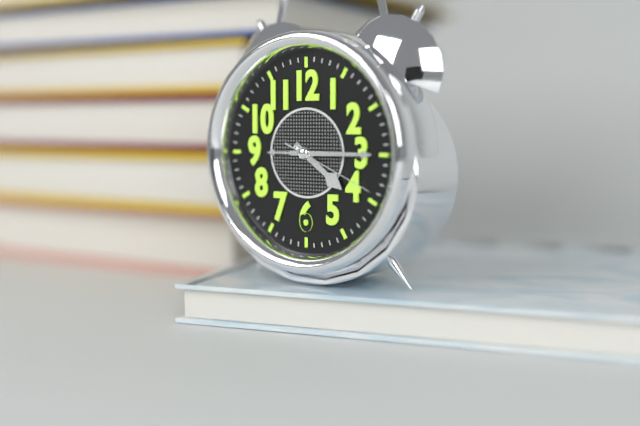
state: 4:15:19
